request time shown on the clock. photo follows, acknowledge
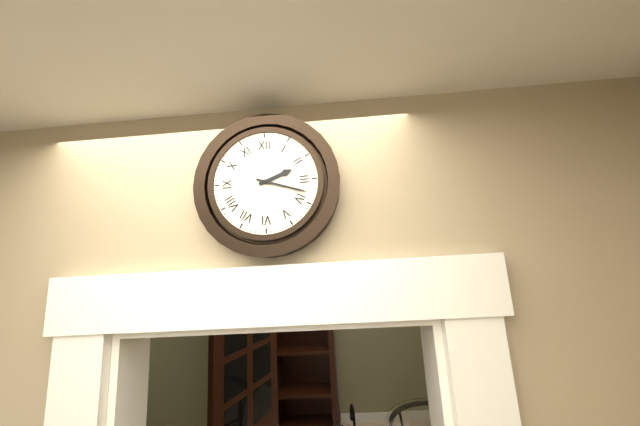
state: 2:18
